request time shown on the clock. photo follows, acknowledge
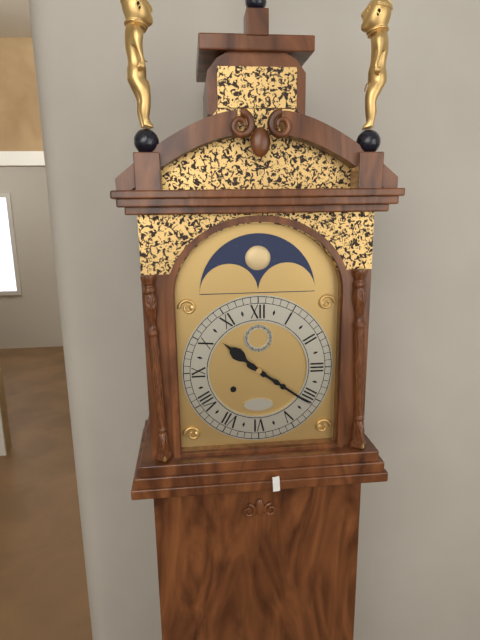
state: 10:21
